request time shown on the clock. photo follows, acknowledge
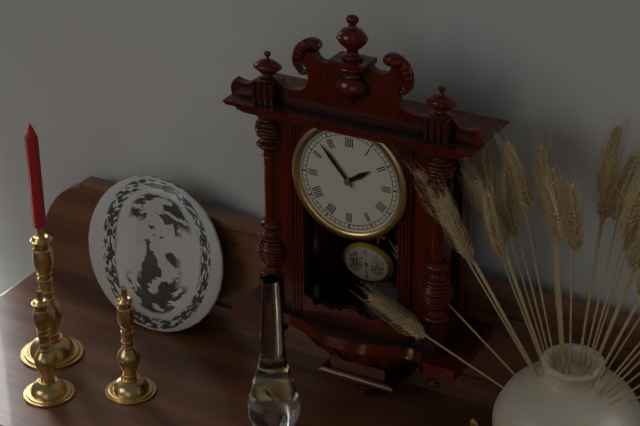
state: 1:53
